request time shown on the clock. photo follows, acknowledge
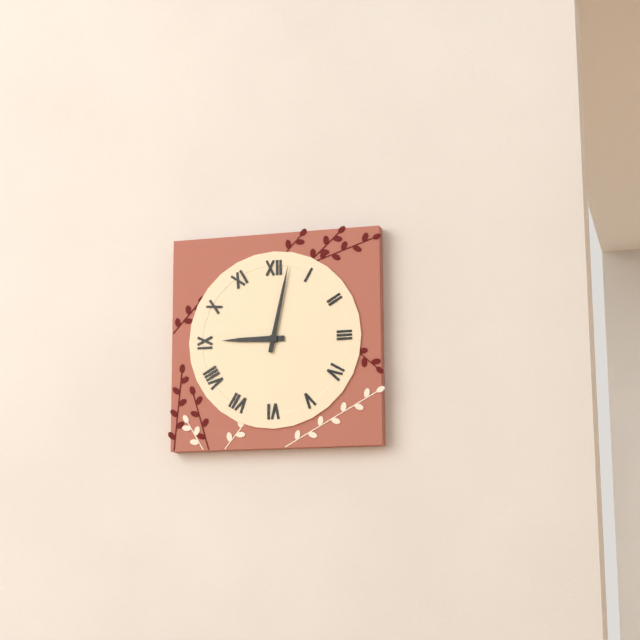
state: 9:02
